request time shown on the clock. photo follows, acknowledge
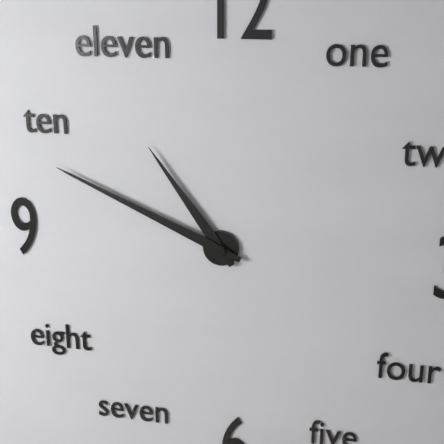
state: 10:49
